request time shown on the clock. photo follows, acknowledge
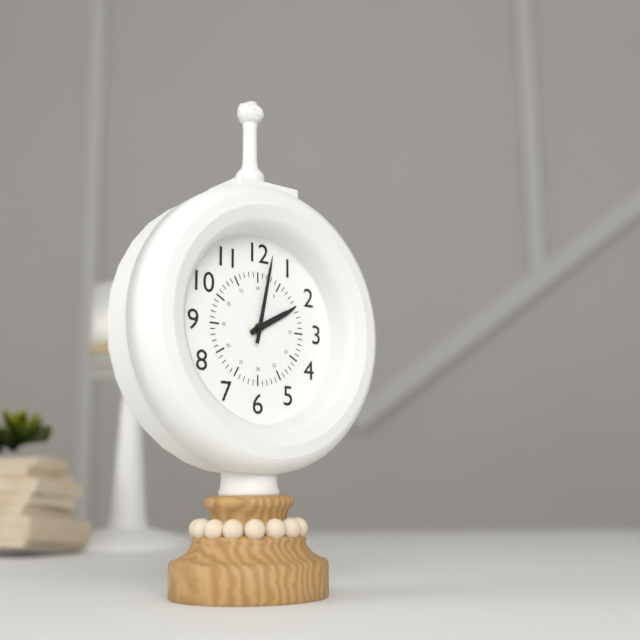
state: 2:02
